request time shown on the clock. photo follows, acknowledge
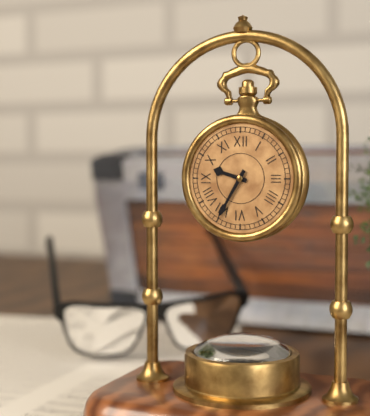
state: 9:35
